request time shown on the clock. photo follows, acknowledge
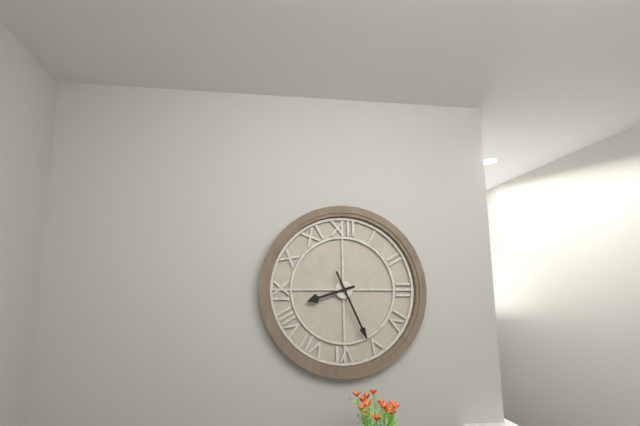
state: 8:26
